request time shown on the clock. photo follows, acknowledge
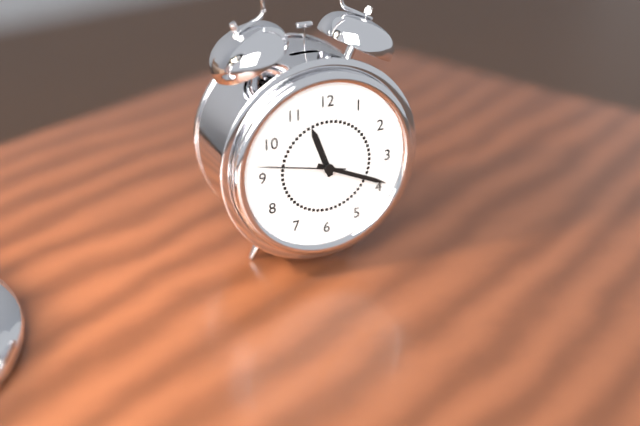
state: 11:19:47
